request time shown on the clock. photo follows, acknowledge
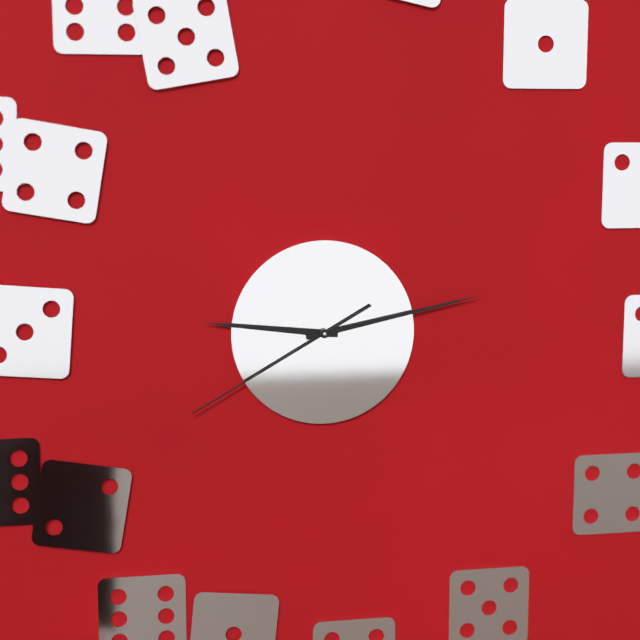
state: 9:13:40
